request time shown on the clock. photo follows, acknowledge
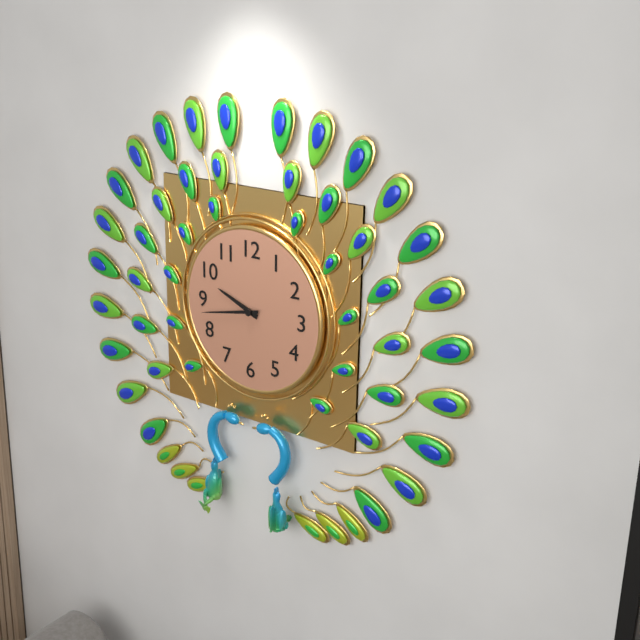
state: 9:43
